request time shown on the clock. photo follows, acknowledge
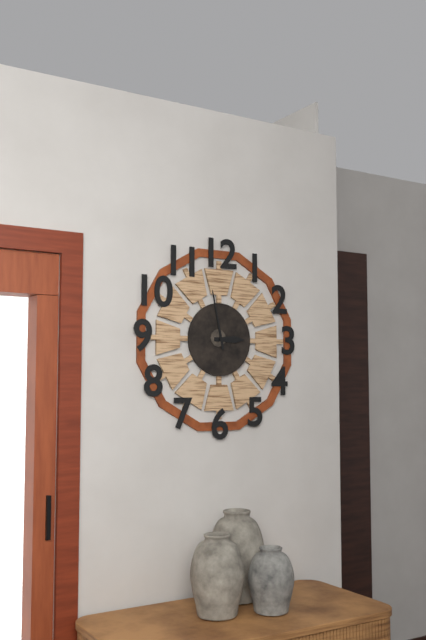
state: 2:58
